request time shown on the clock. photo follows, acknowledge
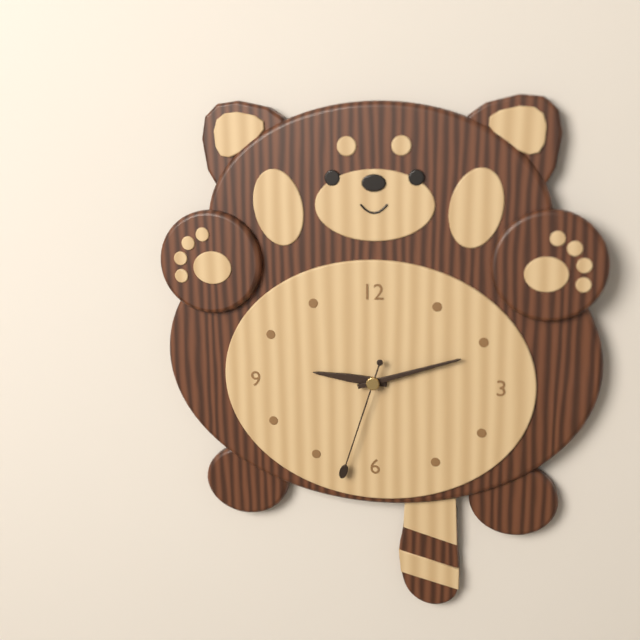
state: 9:12:33
